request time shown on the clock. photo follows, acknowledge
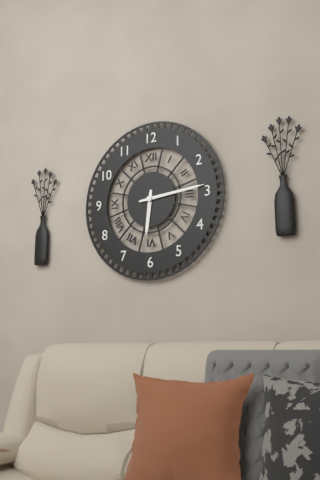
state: 6:14
